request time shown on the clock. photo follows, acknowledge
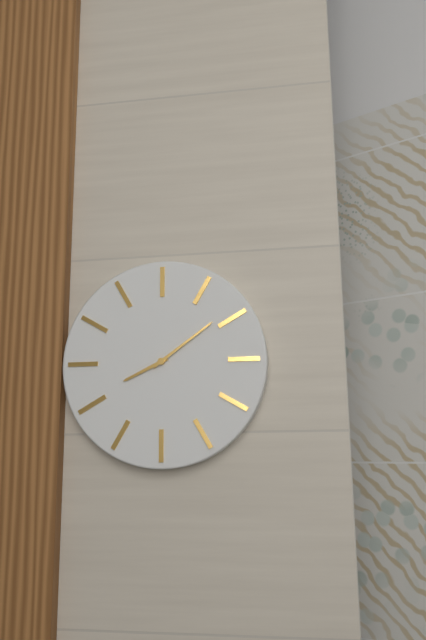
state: 8:09
